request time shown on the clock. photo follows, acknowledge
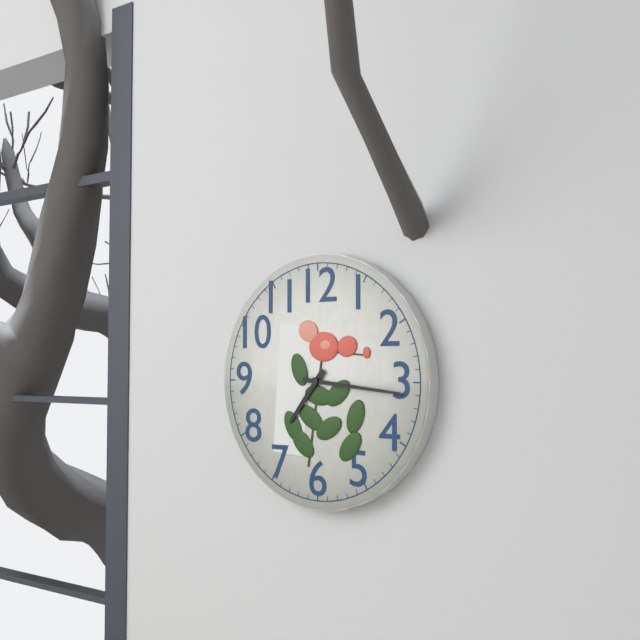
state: 7:16
